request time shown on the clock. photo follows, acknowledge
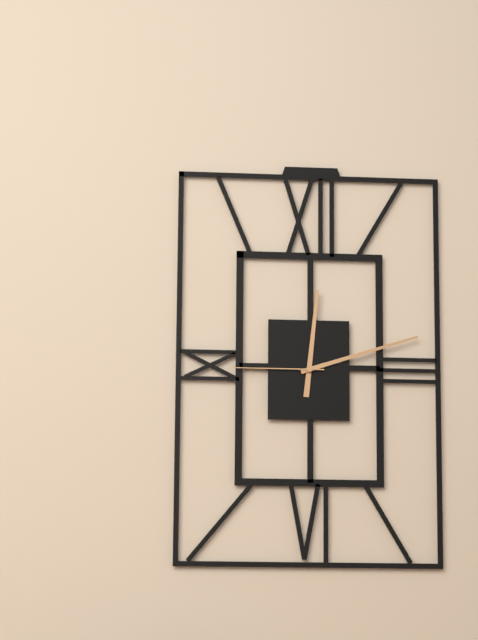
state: 12:12:45
